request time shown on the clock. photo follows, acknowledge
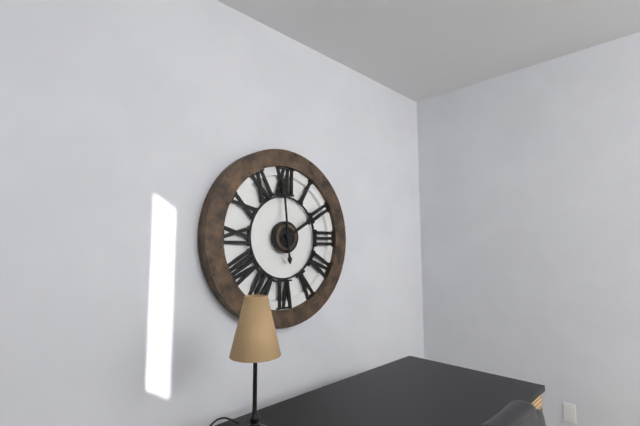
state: 1:59
